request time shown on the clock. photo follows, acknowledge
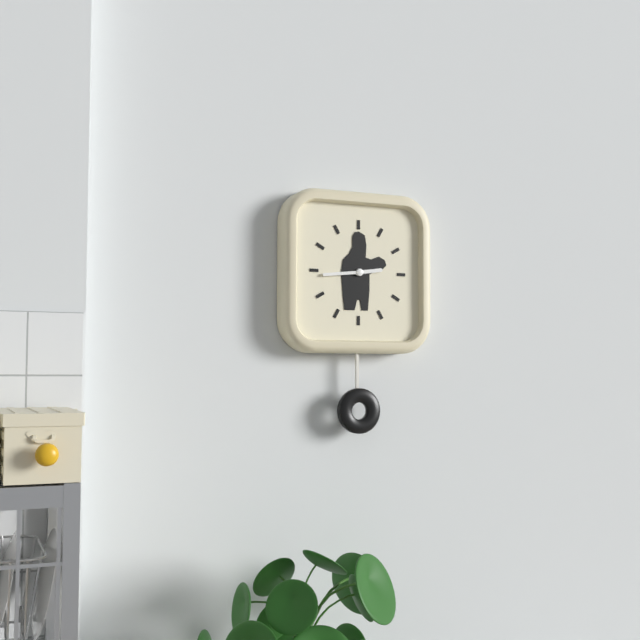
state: 2:44
